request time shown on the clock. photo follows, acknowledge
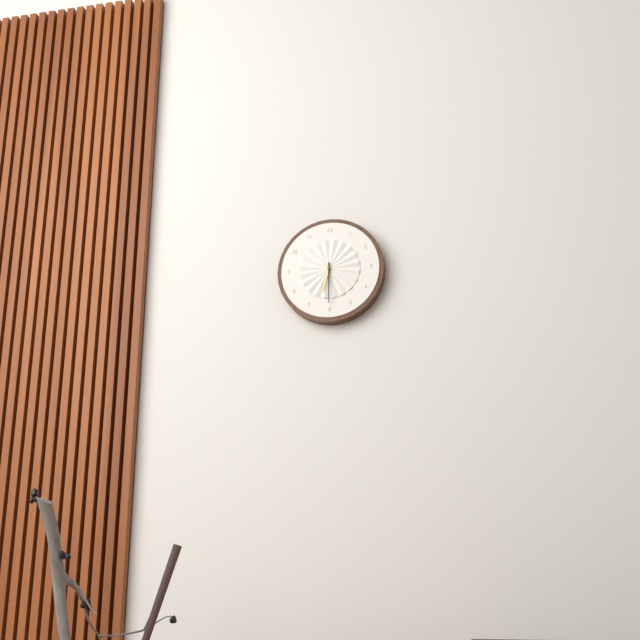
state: 6:30
